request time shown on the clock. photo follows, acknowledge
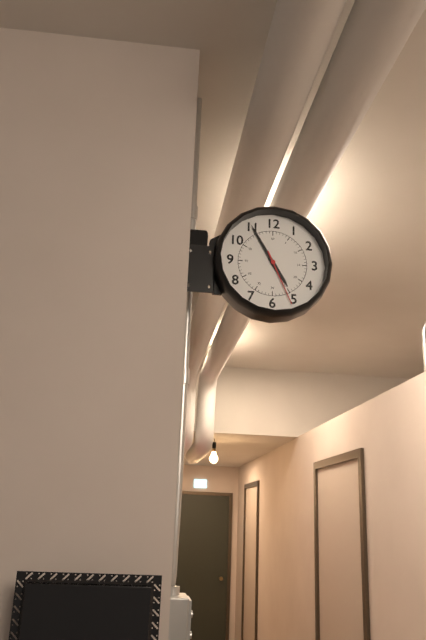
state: 4:55:26
